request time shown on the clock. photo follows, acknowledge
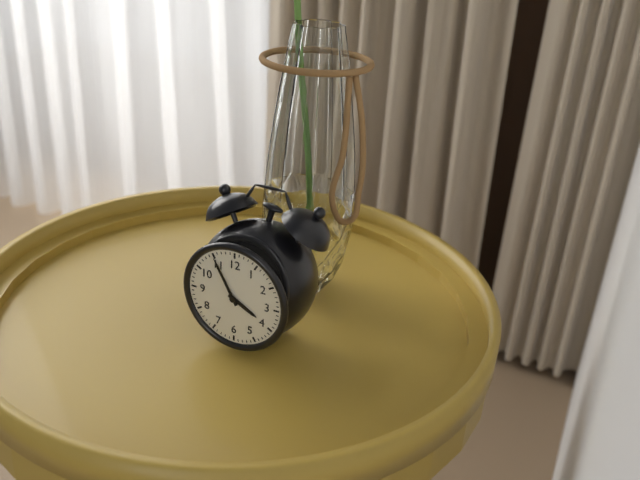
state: 3:55
